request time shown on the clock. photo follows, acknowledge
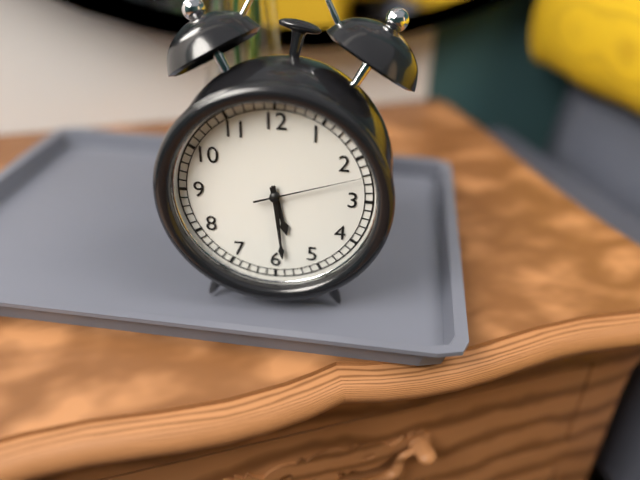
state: 5:29:12
